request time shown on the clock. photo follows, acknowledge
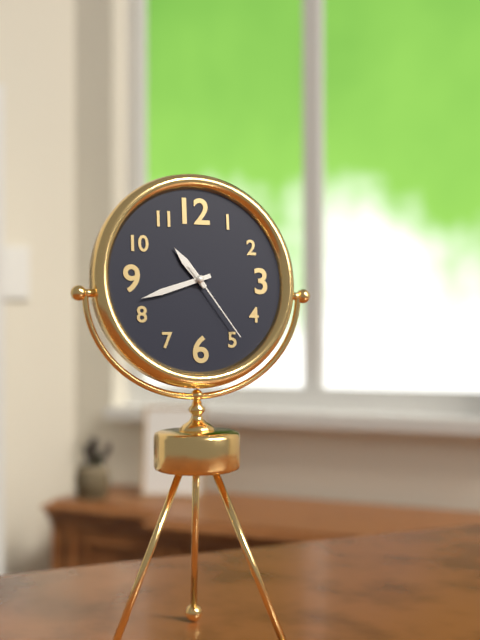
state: 10:42:24
